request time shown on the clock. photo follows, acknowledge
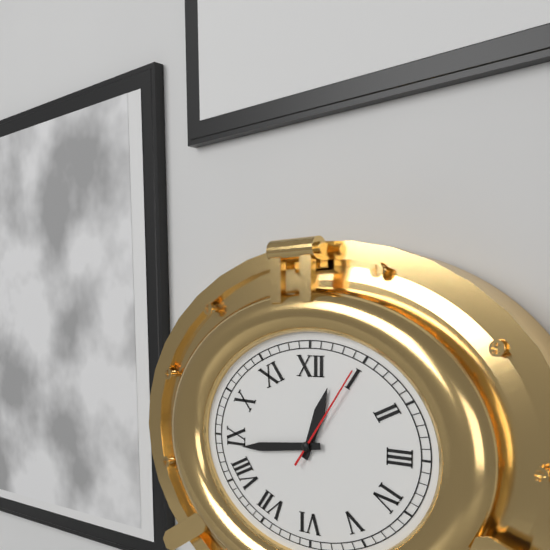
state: 12:44:06
